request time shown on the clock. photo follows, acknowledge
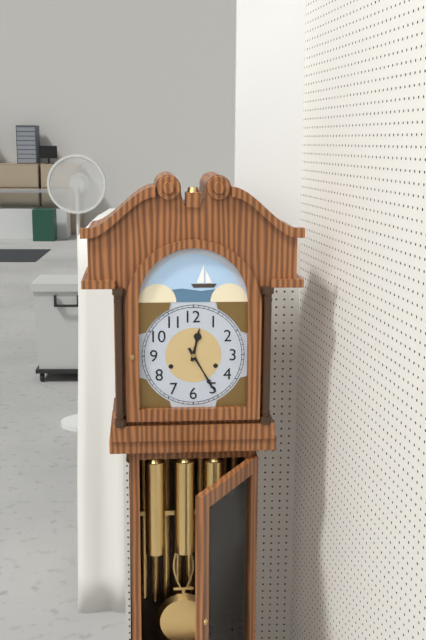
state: 12:25
